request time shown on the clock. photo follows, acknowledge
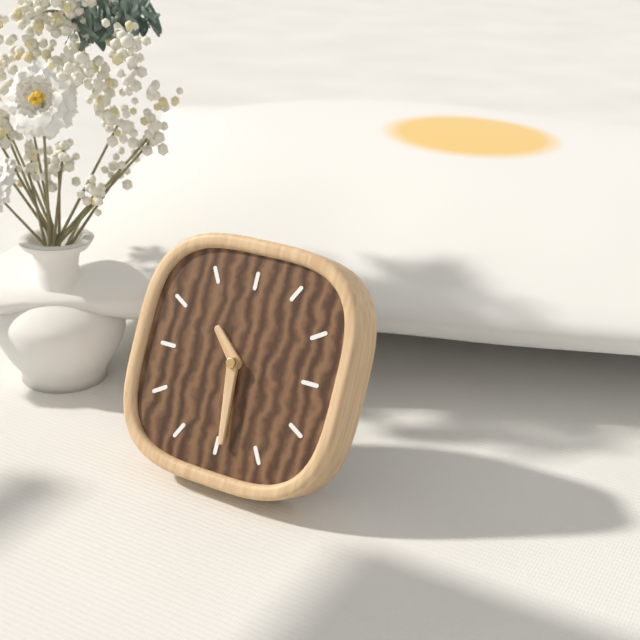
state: 10:29
